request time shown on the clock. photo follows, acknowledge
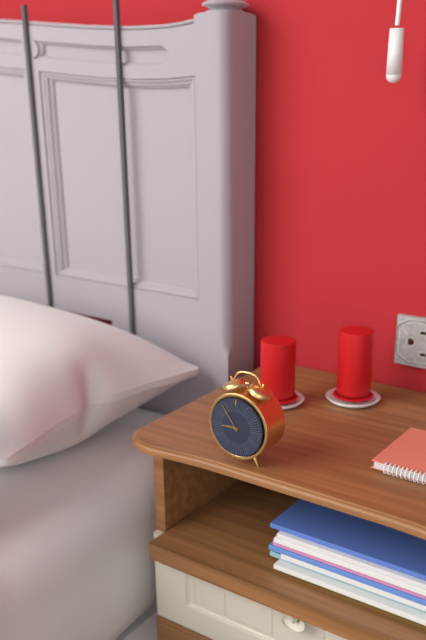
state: 8:54
